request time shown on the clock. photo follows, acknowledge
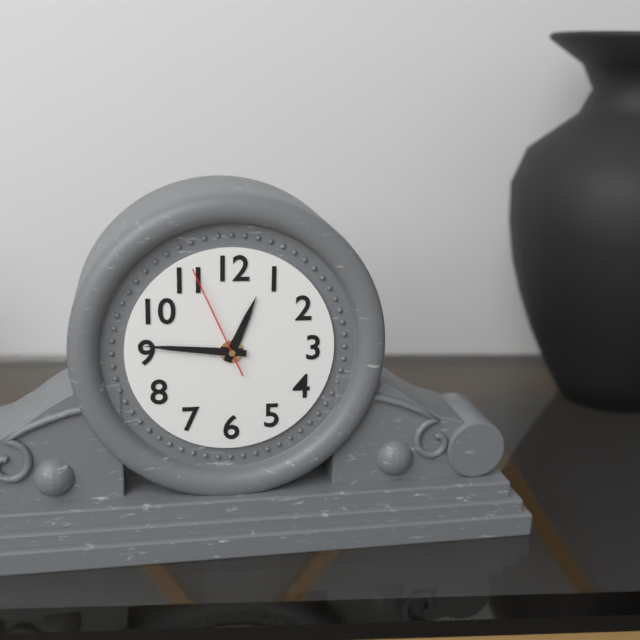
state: 12:46:56
